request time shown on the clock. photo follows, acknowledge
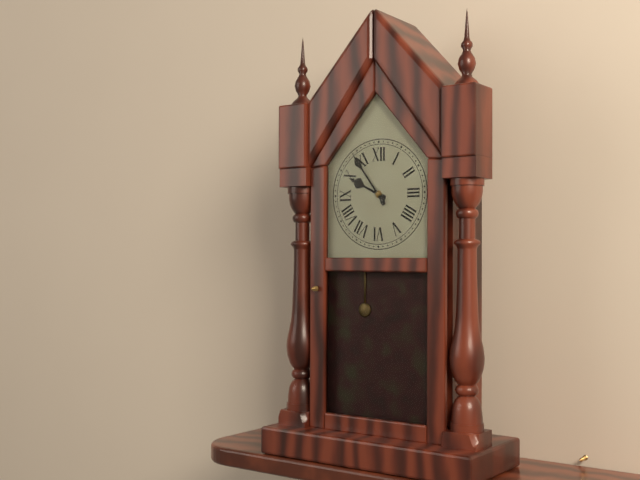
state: 9:54
